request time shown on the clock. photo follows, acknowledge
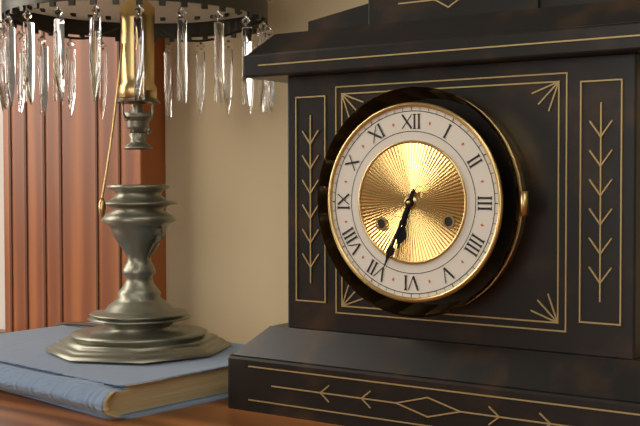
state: 6:34
